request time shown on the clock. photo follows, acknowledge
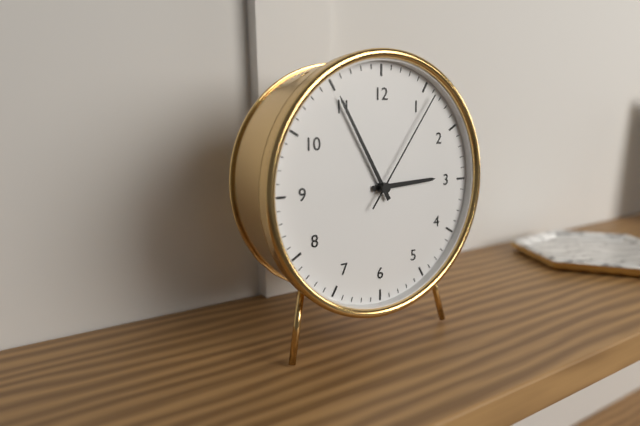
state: 2:55:06
